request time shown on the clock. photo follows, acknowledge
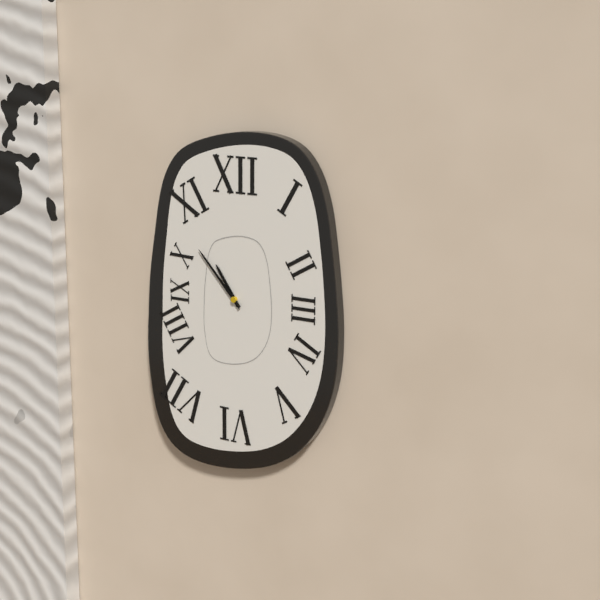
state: 10:53
